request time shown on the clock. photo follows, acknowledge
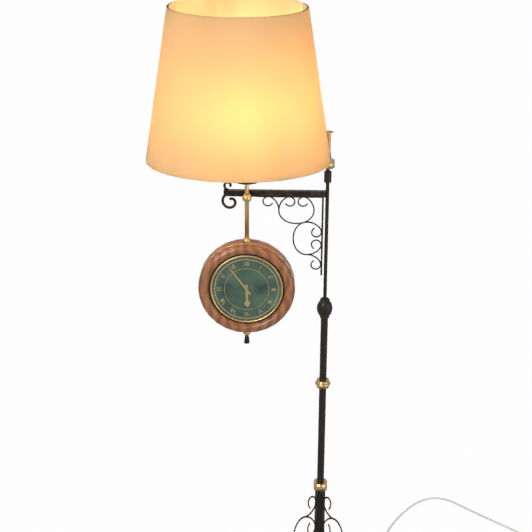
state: 5:54
